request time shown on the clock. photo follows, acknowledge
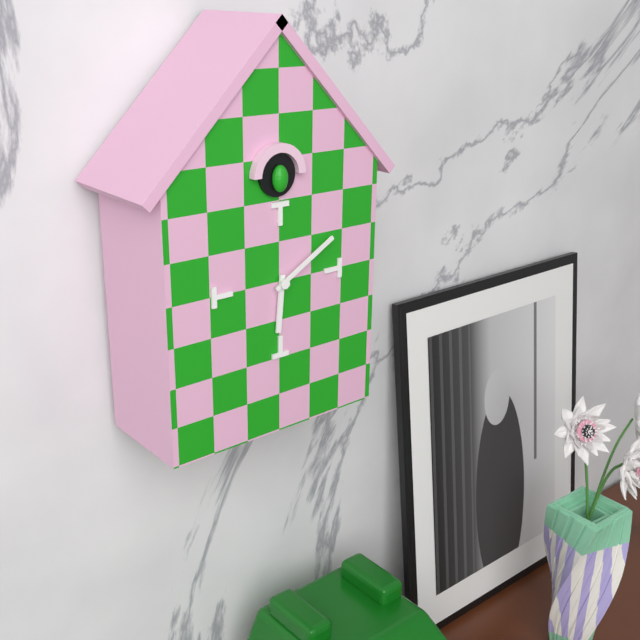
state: 6:10
